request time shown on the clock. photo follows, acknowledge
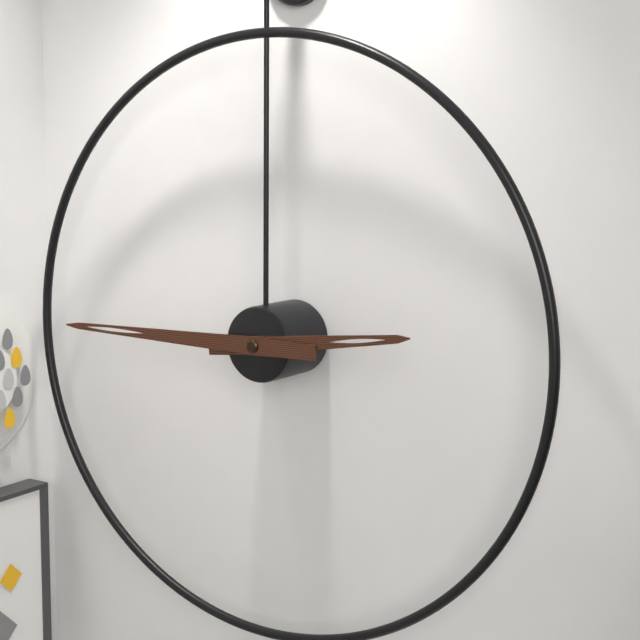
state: 2:45
